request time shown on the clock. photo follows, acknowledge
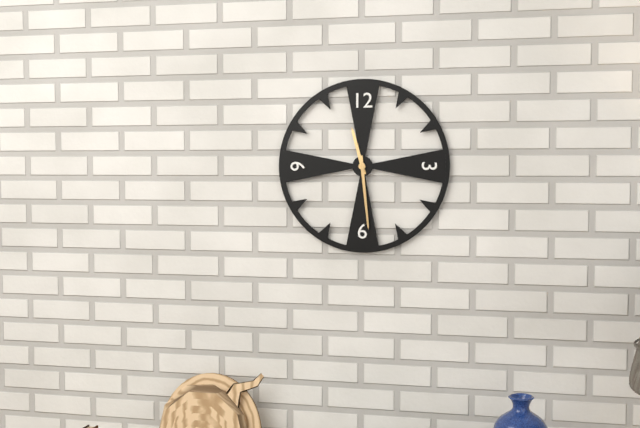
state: 11:29
